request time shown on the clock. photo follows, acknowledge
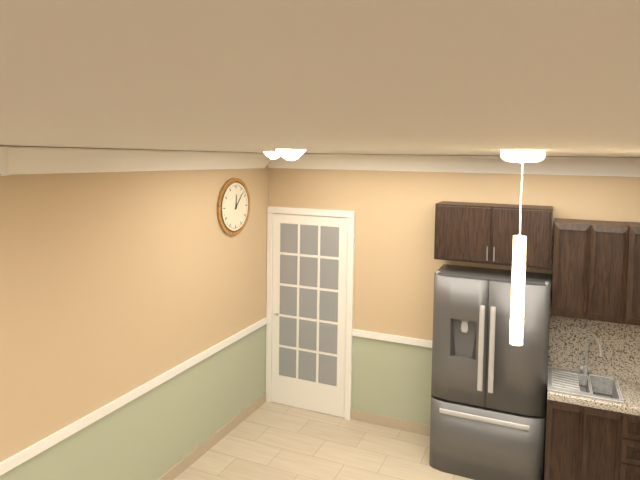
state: 12:07
